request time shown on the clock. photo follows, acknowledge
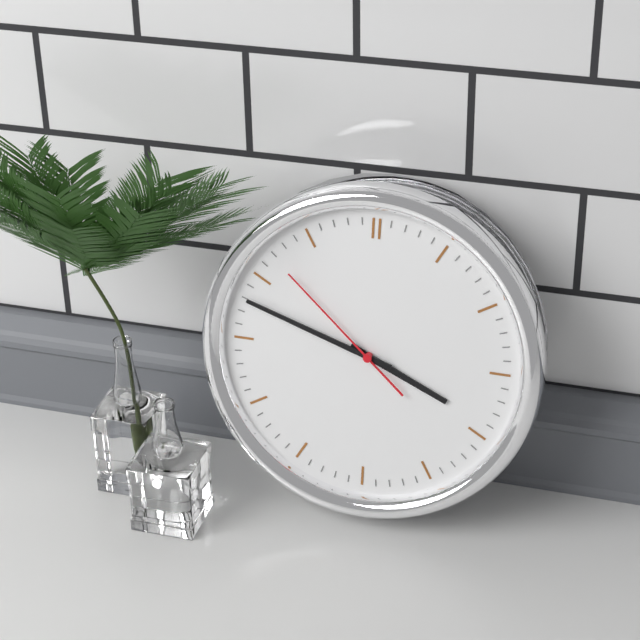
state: 3:48:52
